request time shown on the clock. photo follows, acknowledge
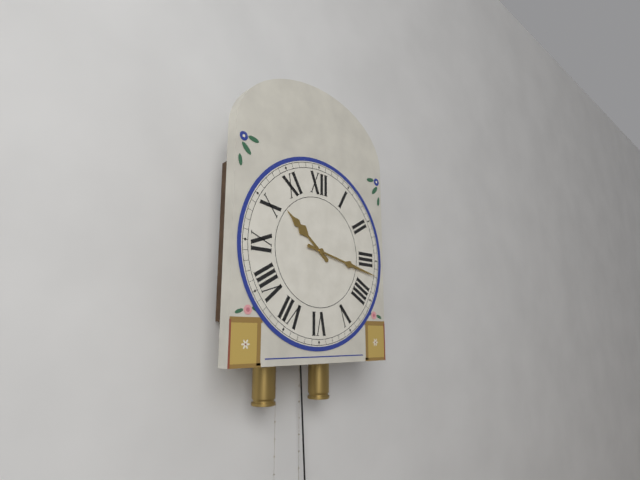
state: 10:17
